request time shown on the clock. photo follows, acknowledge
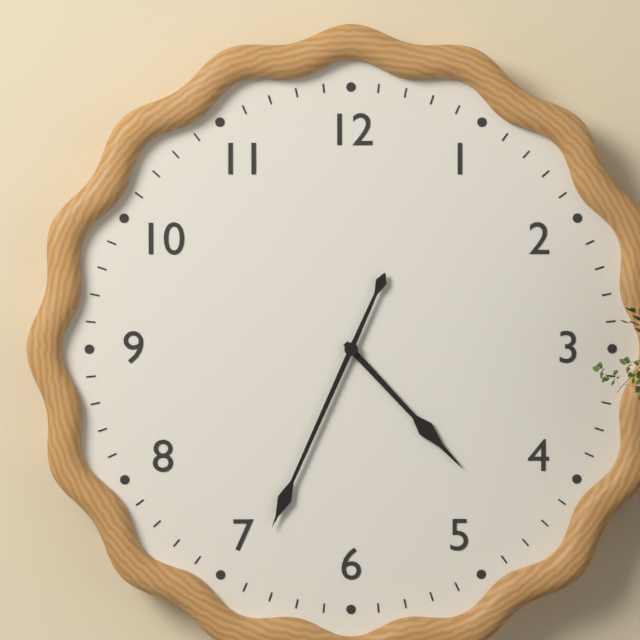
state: 4:34
